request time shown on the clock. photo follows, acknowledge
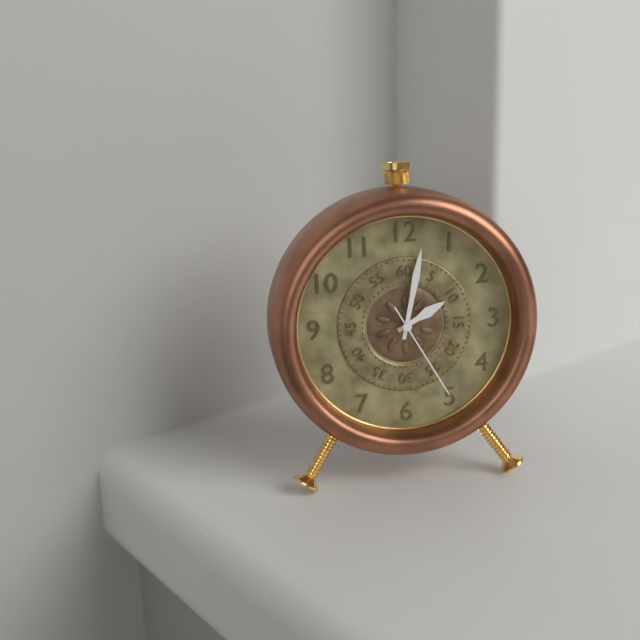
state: 2:02:25
